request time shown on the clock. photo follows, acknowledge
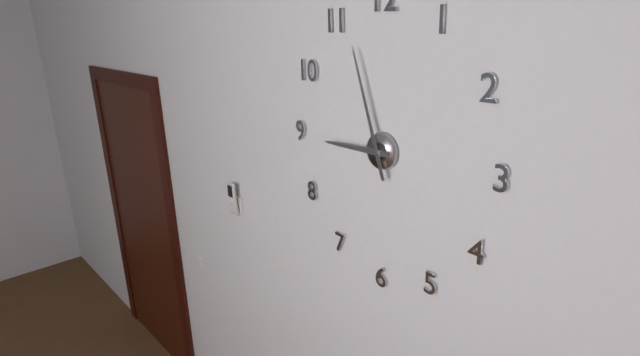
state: 8:57
